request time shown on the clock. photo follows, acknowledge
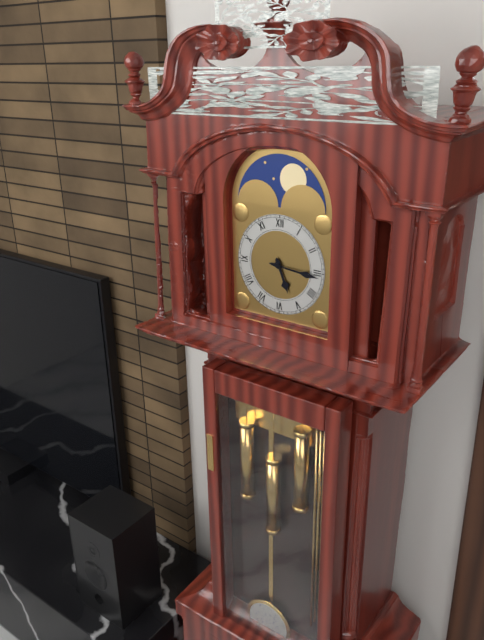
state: 5:16
